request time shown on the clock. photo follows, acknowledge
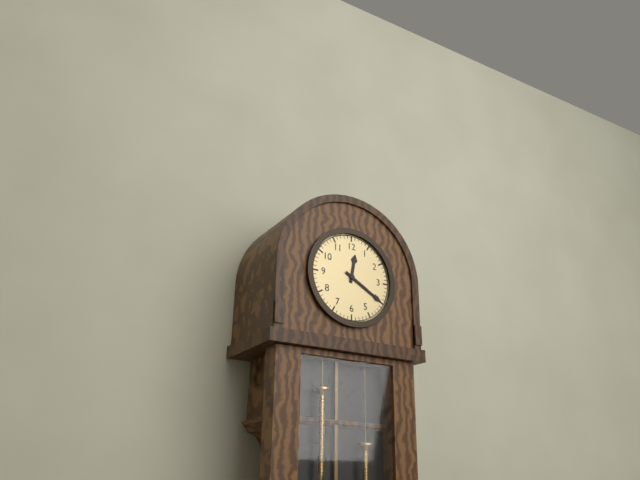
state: 12:20
